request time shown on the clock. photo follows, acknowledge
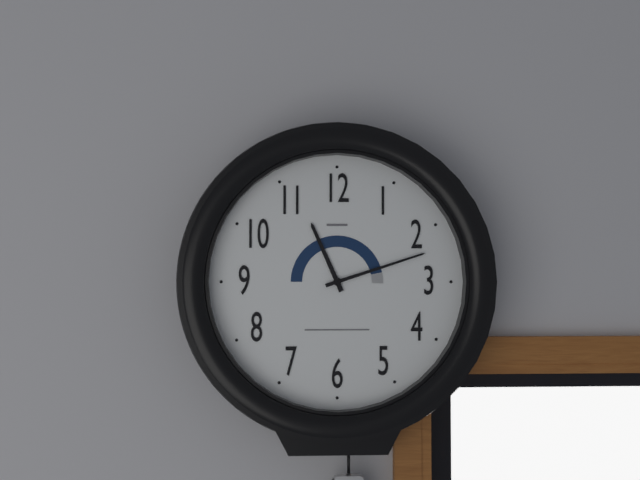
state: 11:12
